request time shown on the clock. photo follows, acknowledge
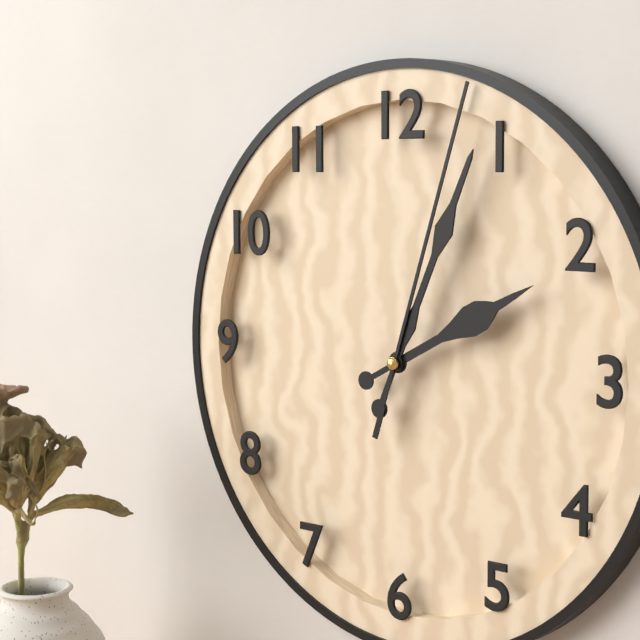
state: 2:04:03
